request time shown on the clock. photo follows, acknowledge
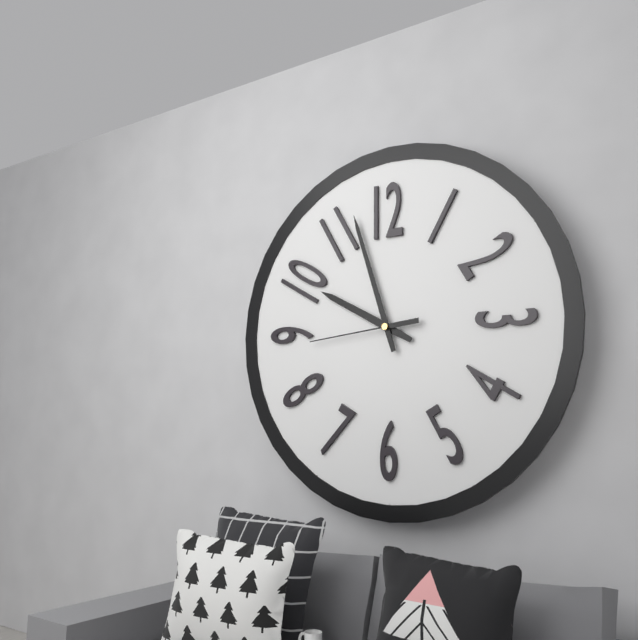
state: 9:57:44
